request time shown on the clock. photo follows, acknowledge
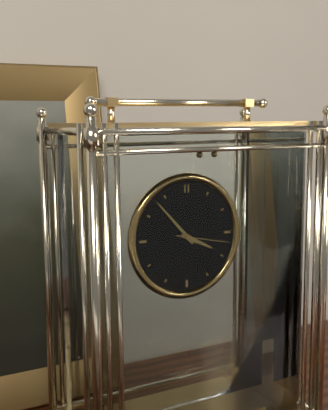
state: 3:53:17
